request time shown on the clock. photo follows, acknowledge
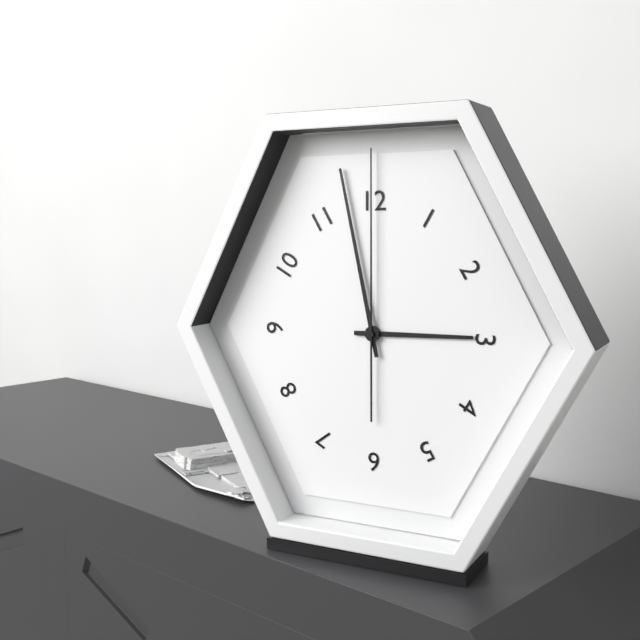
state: 2:58:00
